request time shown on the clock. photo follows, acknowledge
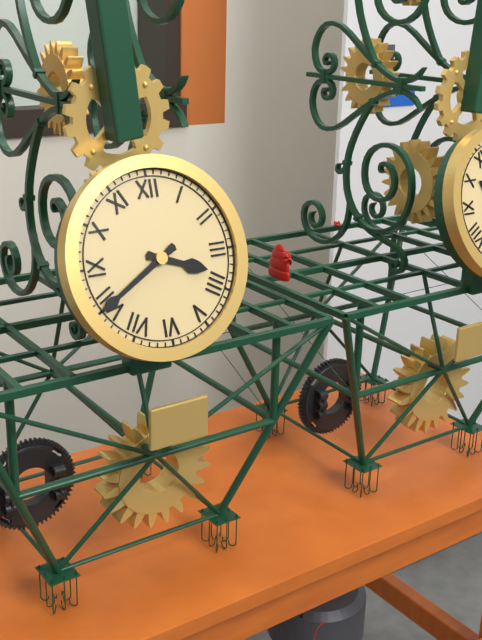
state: 3:40
